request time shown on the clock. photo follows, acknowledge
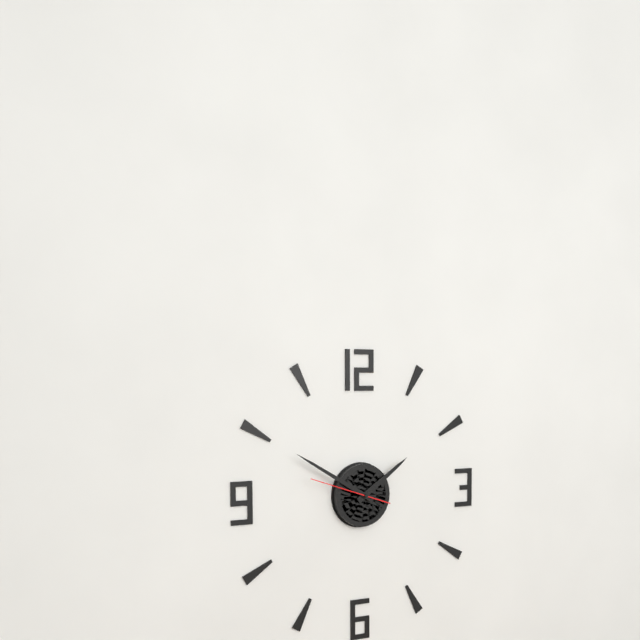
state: 1:50:48
